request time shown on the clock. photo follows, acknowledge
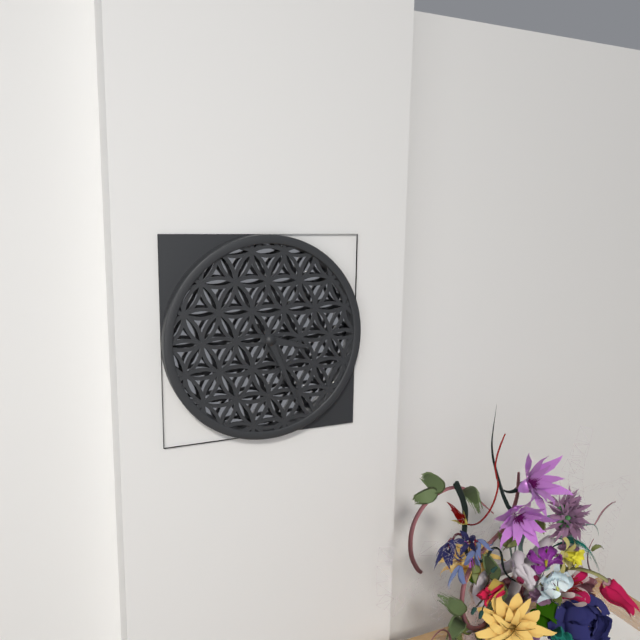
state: 3:26
